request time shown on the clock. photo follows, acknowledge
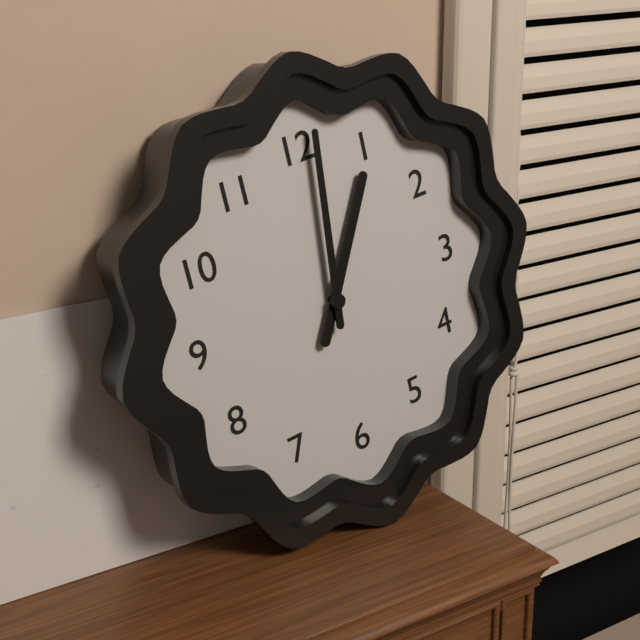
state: 1:01
